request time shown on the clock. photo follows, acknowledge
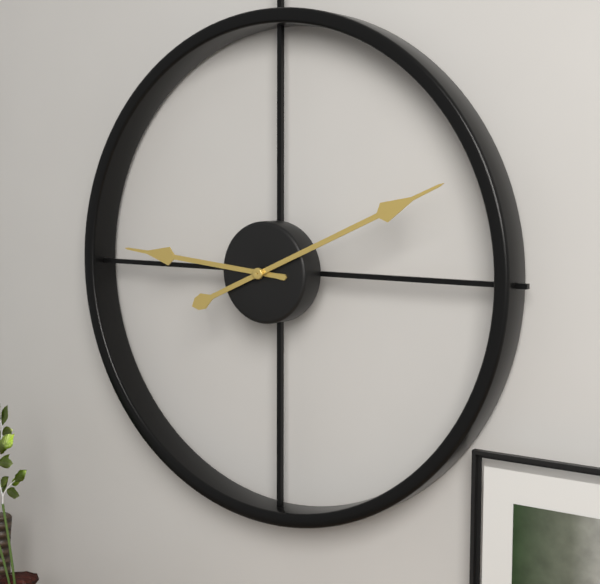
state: 9:11
